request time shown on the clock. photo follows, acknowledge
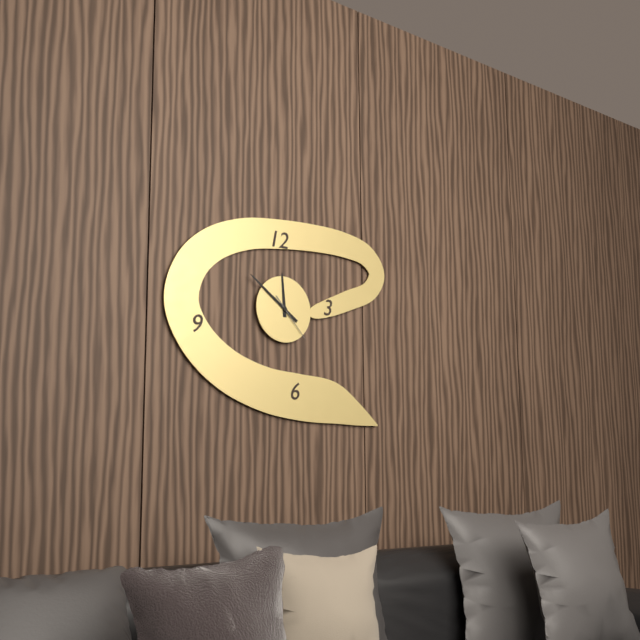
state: 11:51
